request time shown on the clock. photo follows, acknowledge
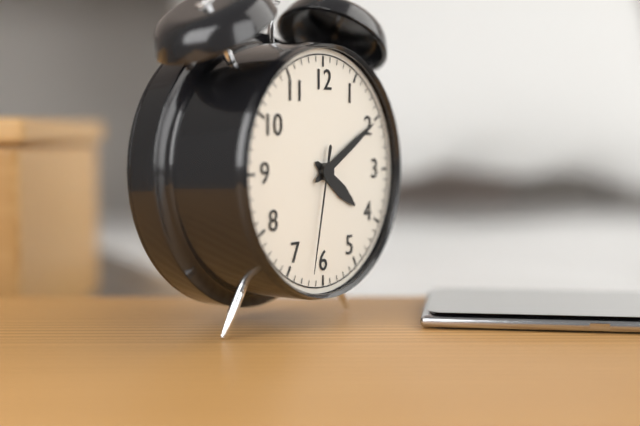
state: 4:10:32
